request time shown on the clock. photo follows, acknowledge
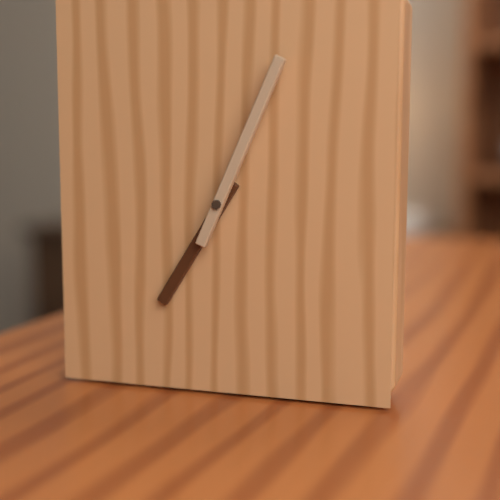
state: 7:04
